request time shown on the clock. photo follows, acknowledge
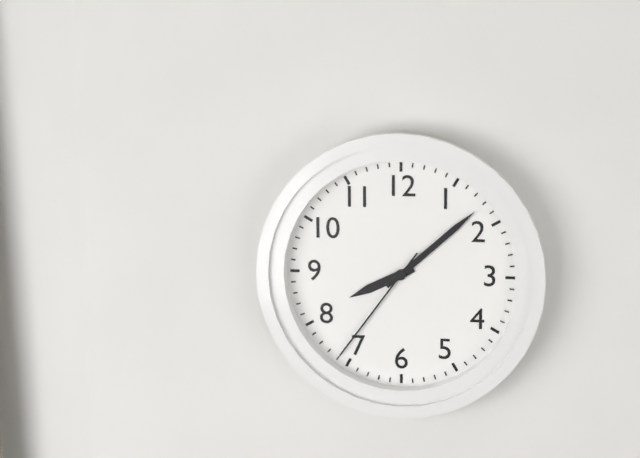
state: 8:08:36
